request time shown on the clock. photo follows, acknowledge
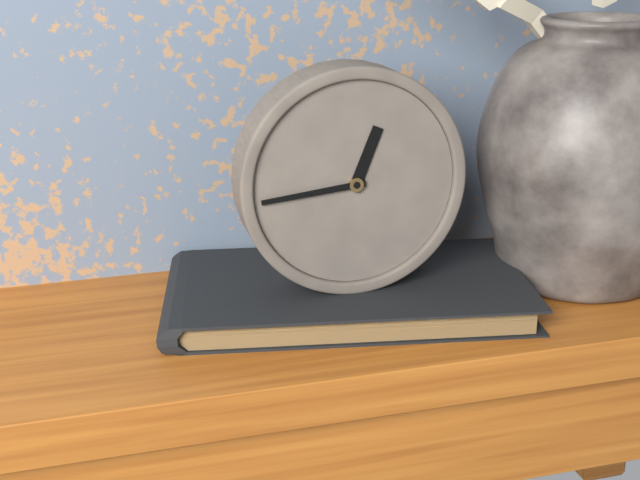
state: 12:44
